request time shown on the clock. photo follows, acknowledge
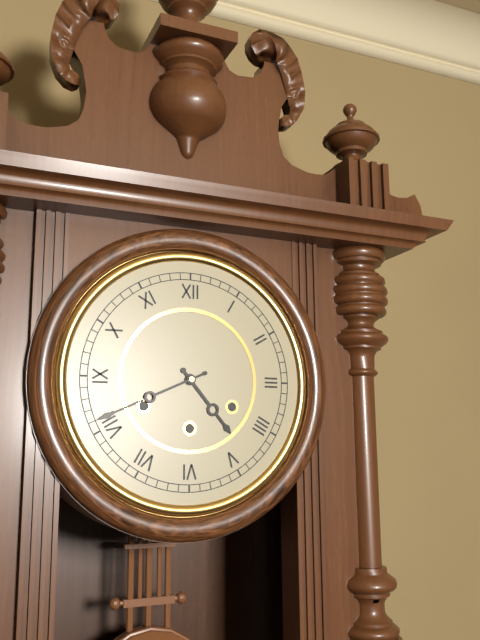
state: 4:41
